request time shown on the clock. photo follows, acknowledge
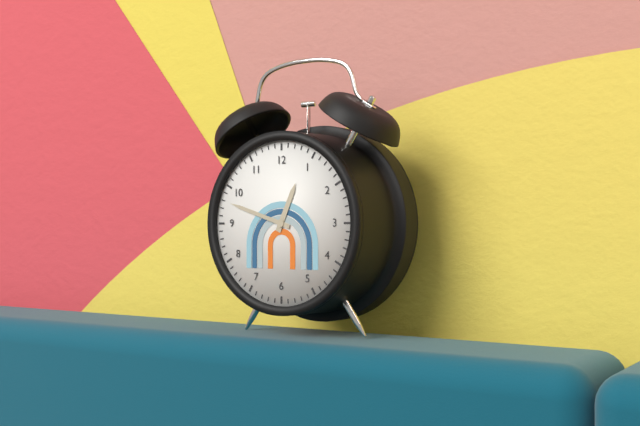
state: 12:48
